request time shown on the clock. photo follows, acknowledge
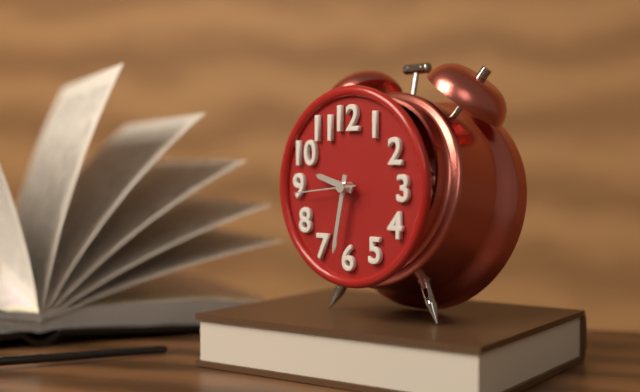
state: 9:32:44
